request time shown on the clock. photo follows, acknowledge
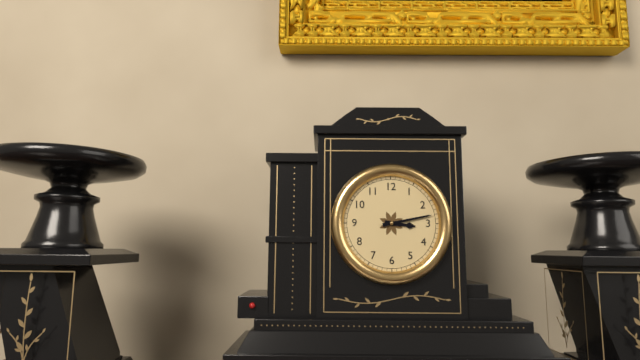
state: 3:13
